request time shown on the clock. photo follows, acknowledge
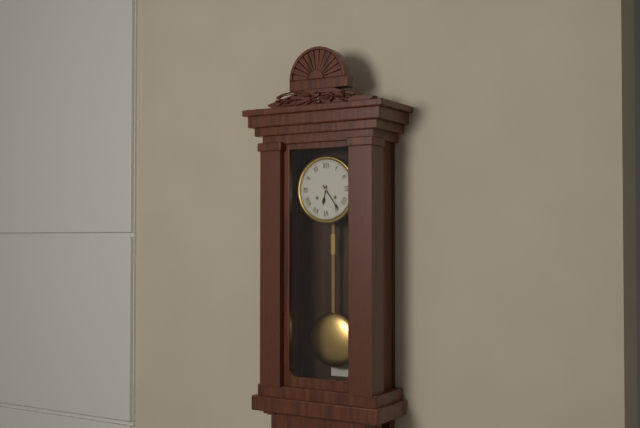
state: 6:24
